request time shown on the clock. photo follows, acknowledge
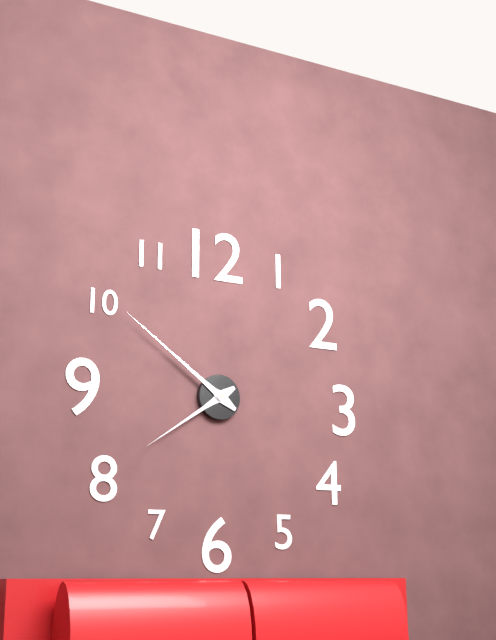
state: 7:51
